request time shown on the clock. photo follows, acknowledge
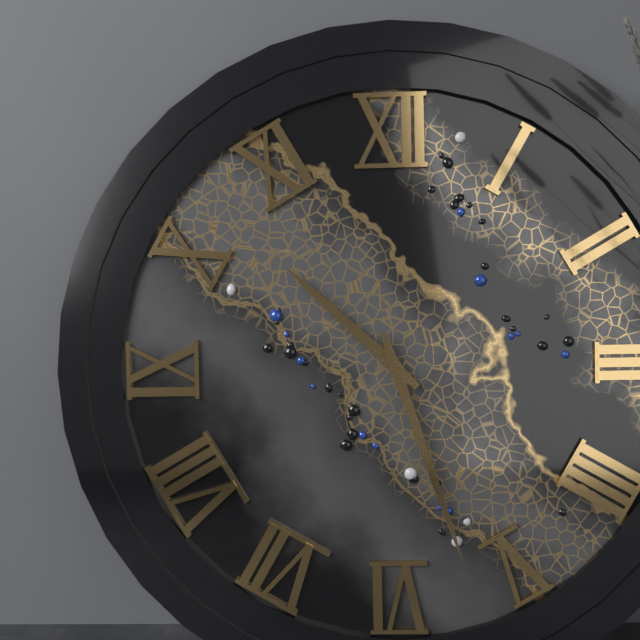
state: 10:27
